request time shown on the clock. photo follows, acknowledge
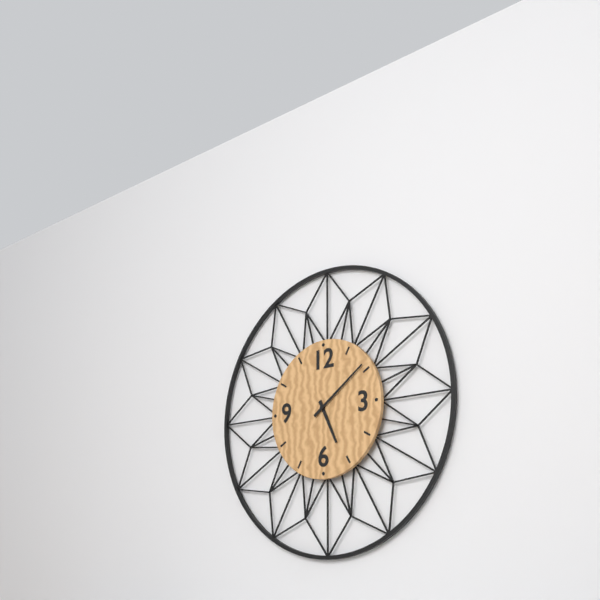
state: 5:09
